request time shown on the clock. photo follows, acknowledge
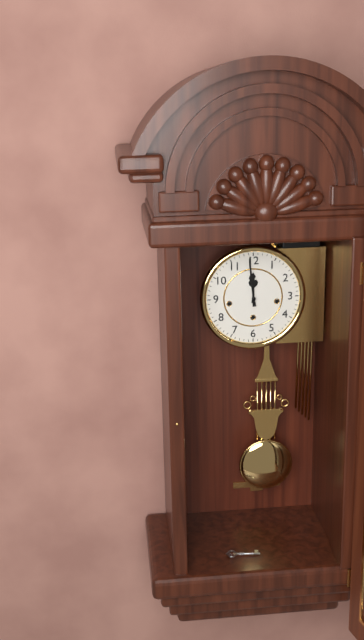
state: 11:59
